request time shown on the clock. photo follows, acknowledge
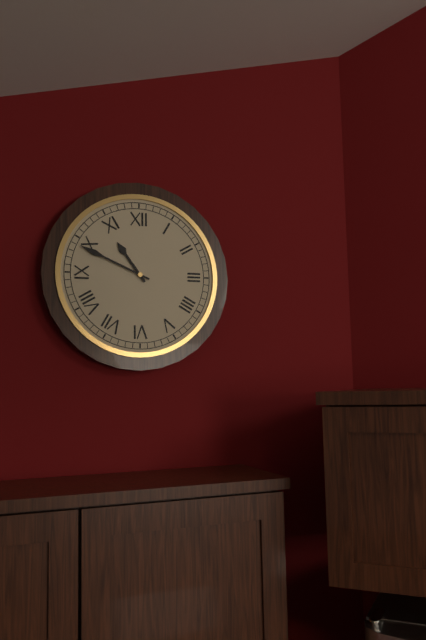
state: 10:49
